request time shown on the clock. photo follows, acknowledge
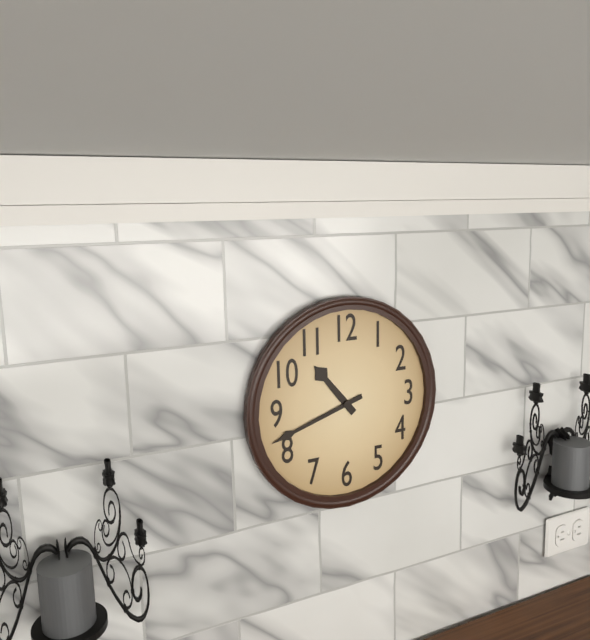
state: 10:42
